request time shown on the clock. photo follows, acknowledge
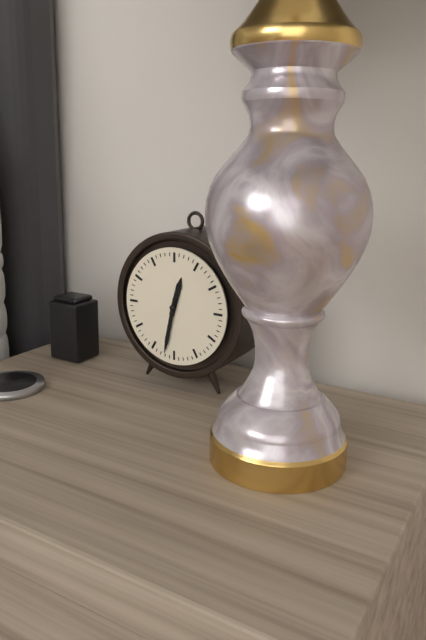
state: 12:32
